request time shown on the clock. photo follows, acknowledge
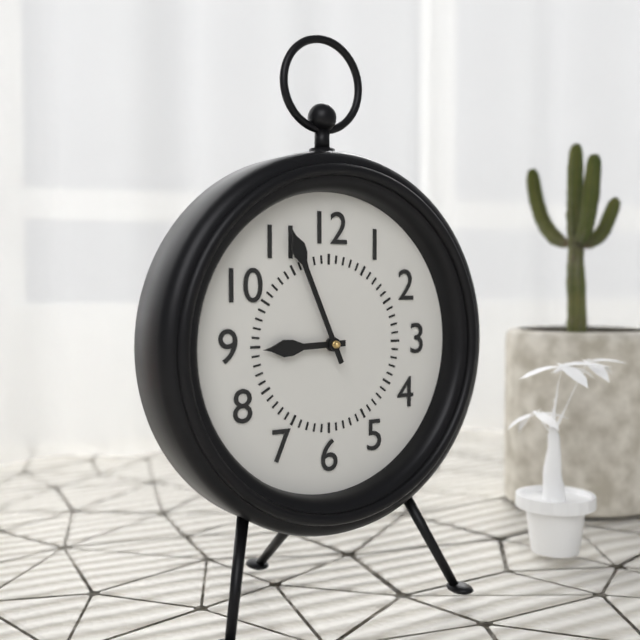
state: 8:56
